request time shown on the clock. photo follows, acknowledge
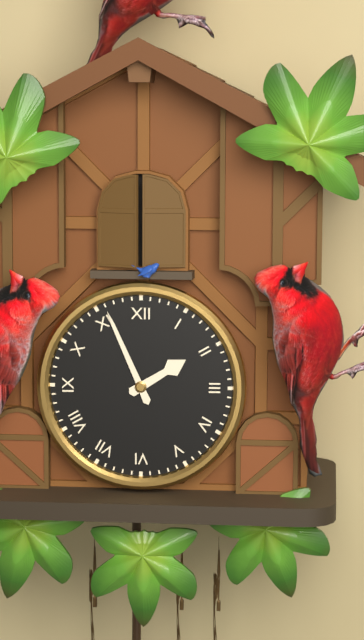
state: 1:56
